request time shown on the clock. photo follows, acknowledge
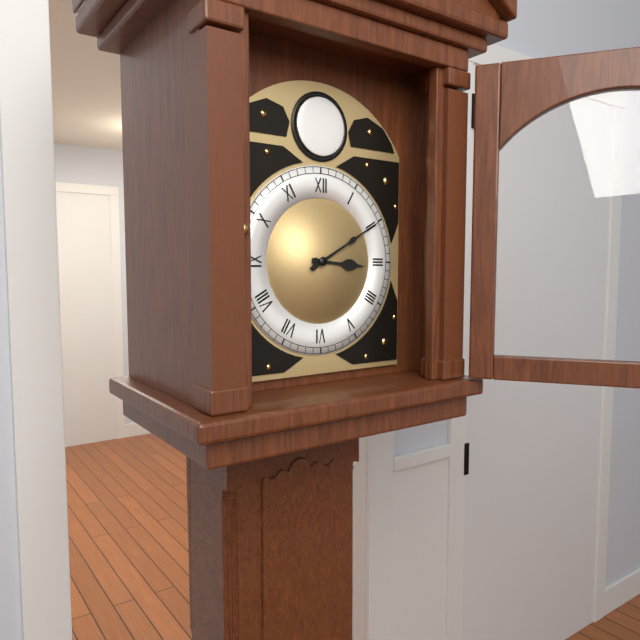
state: 3:10
